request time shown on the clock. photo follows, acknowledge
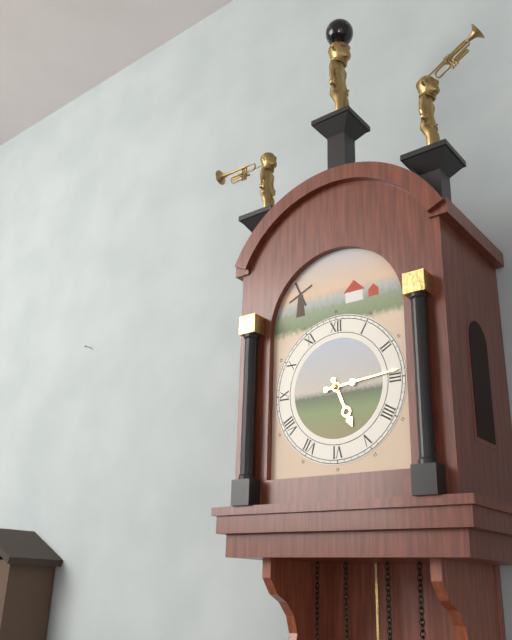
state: 5:14
